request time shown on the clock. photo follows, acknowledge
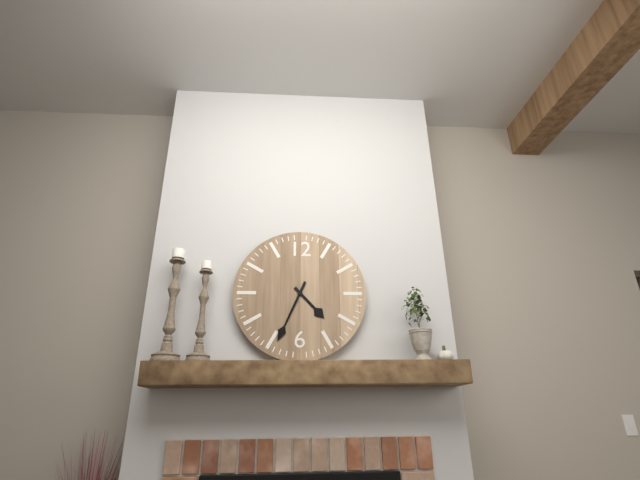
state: 4:34
